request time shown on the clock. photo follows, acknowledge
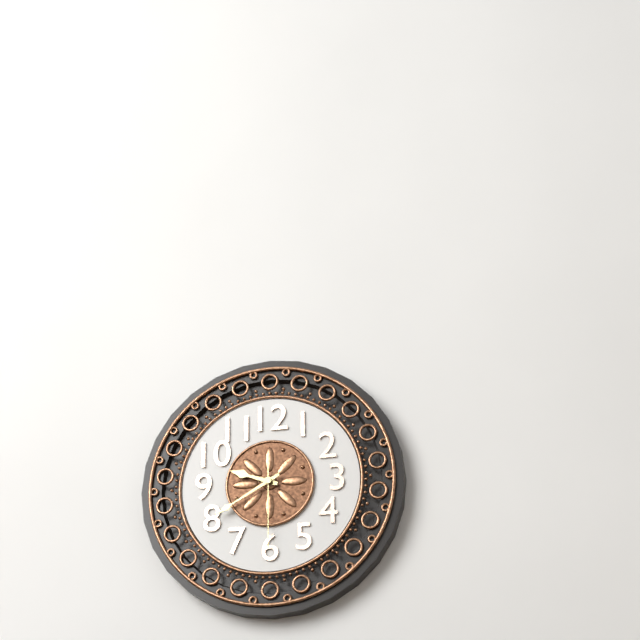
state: 9:40:30
